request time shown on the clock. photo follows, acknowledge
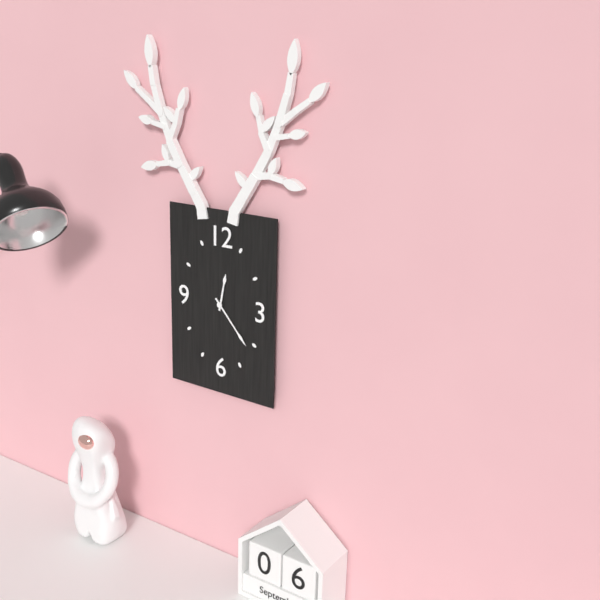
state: 12:23
